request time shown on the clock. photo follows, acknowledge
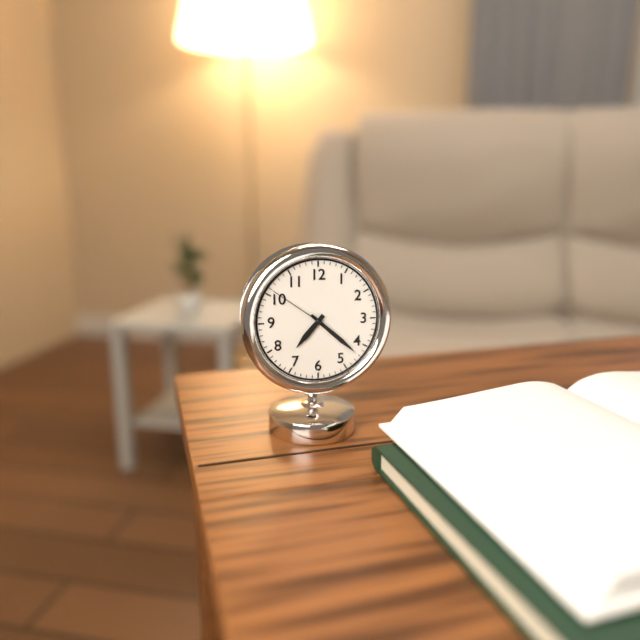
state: 7:22:51
